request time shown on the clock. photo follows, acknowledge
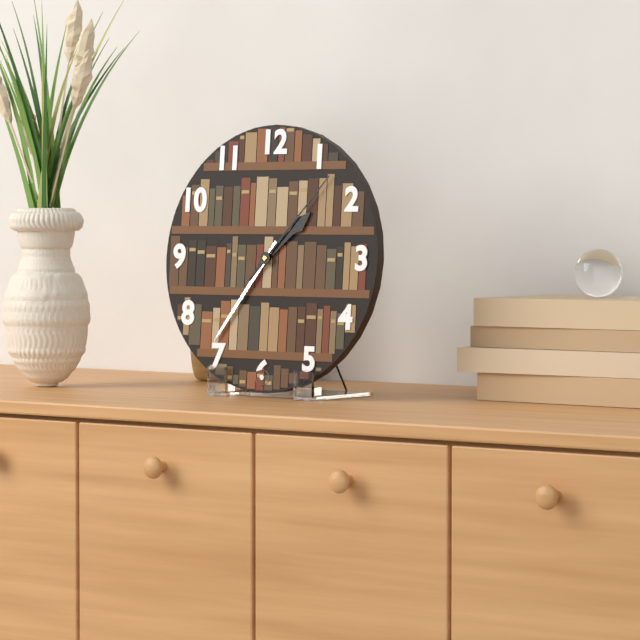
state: 1:36:07
